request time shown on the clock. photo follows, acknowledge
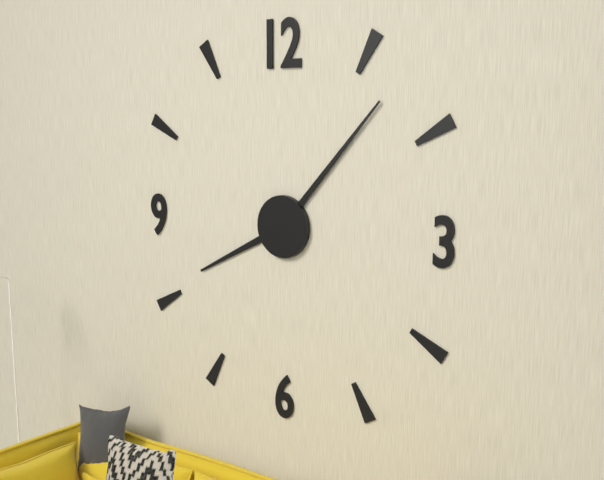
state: 8:07
